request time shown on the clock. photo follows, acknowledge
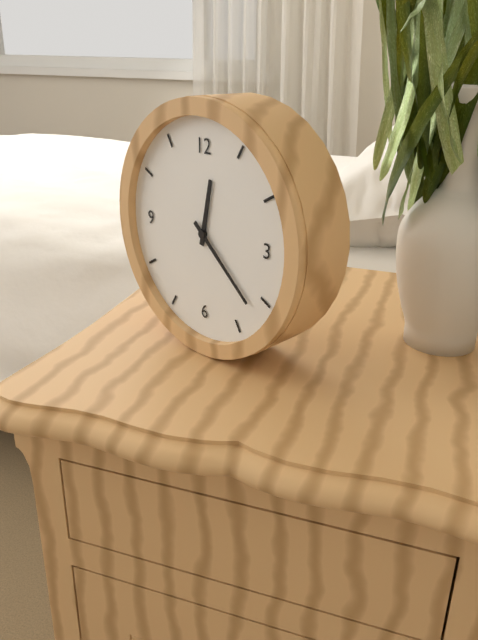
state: 12:22
